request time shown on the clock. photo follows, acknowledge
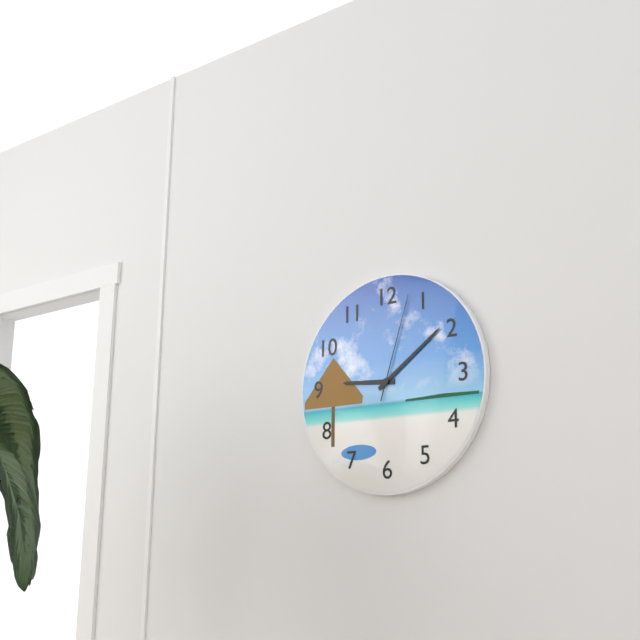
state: 9:09:03
